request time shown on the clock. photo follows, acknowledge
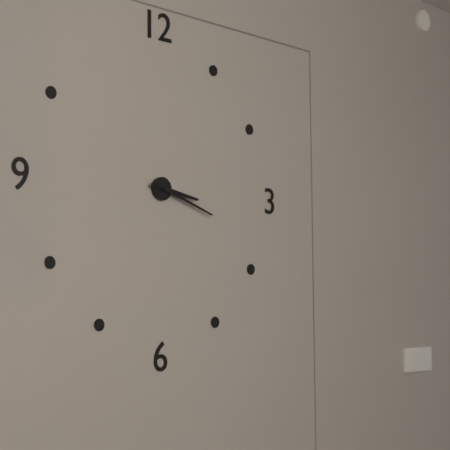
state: 3:18
